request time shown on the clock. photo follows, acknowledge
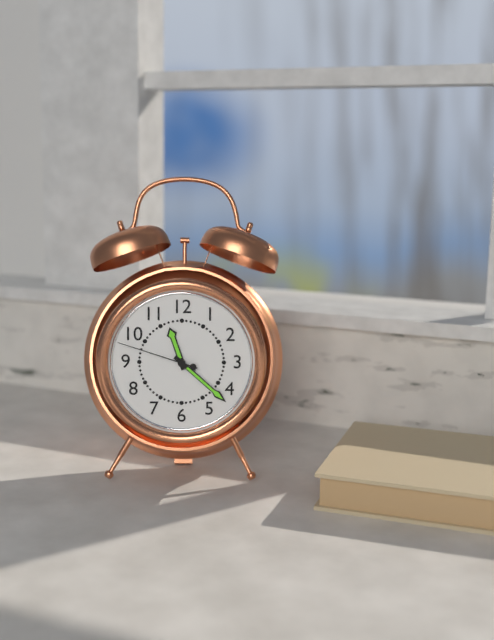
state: 11:22:48
